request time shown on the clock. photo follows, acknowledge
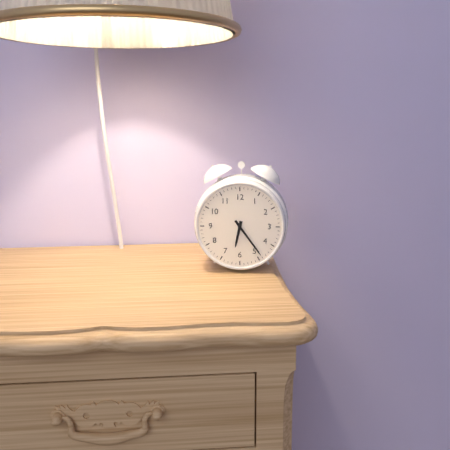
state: 6:24
